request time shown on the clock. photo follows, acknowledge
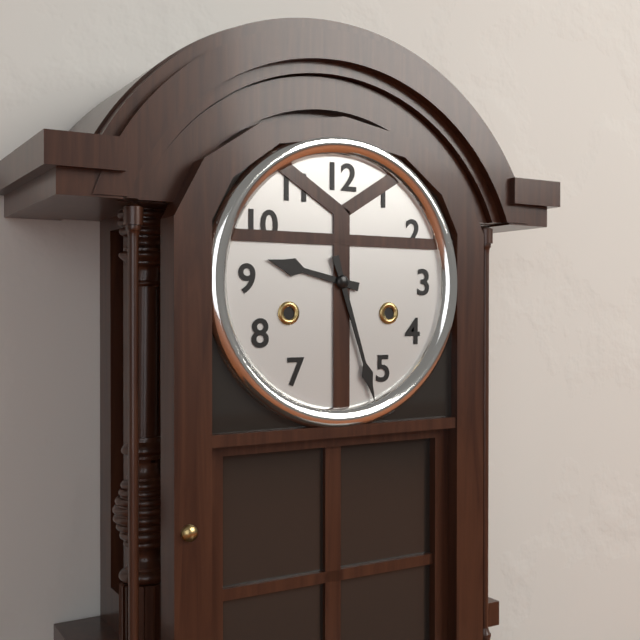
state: 9:27
